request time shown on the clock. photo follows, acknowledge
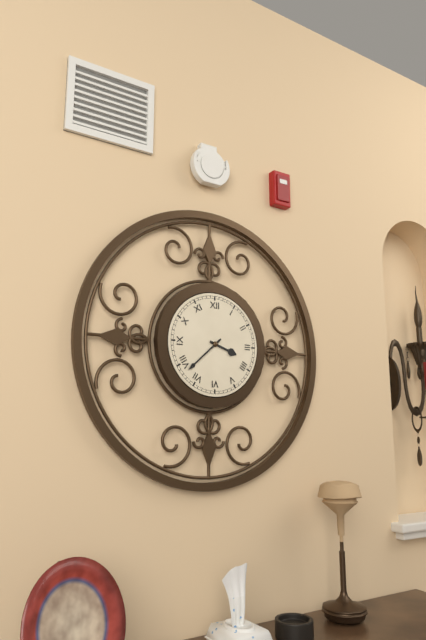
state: 3:38
